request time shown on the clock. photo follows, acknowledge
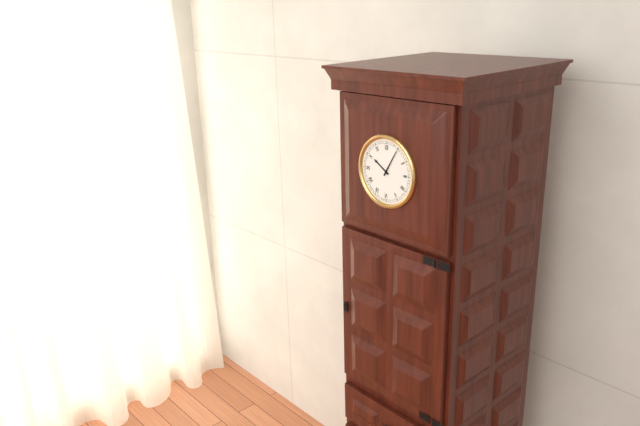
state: 10:05
